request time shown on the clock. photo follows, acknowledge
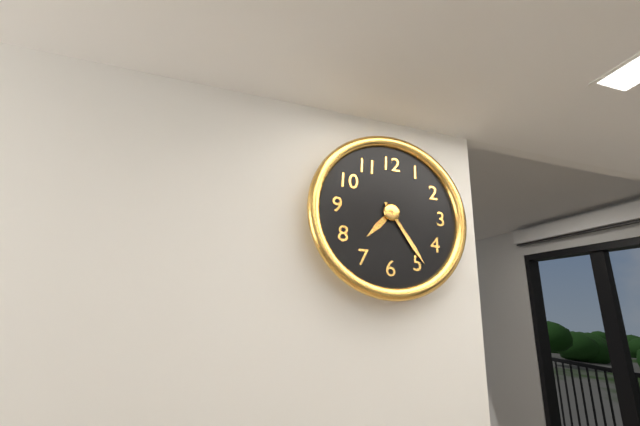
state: 7:24
